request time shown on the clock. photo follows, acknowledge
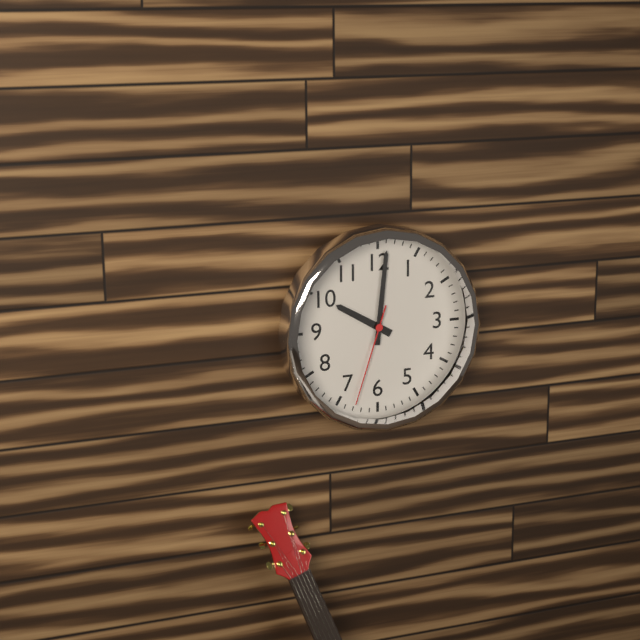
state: 10:01:33
